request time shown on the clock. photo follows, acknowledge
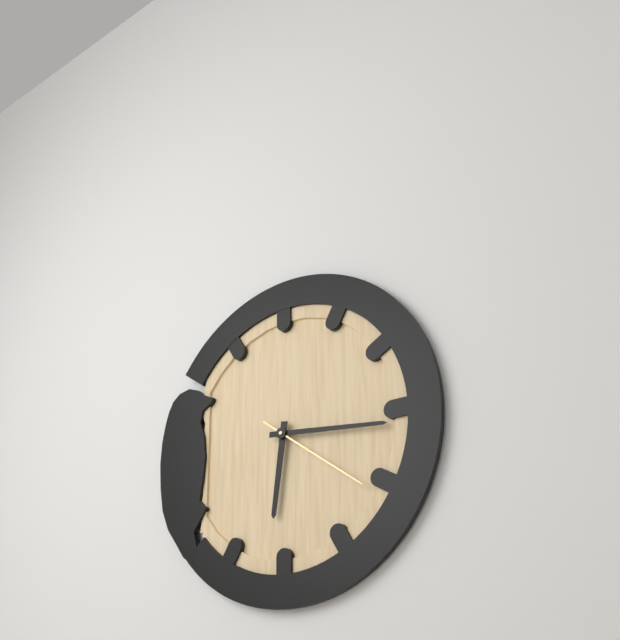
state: 6:16:21
